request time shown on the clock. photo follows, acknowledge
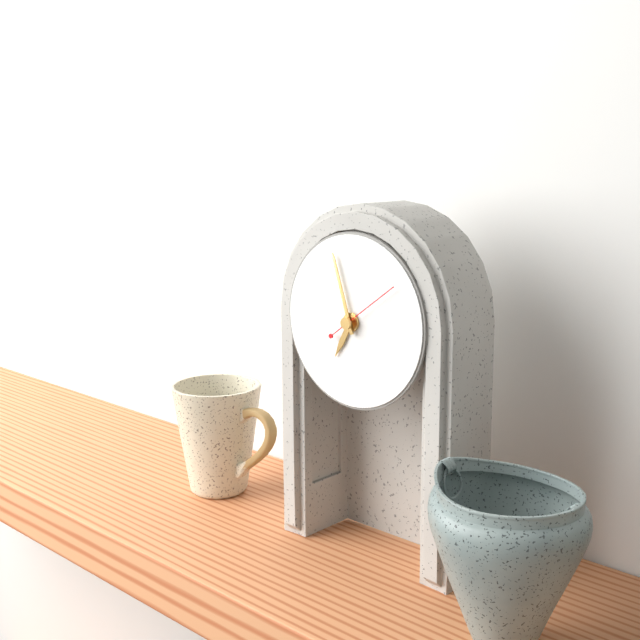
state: 6:57:09
